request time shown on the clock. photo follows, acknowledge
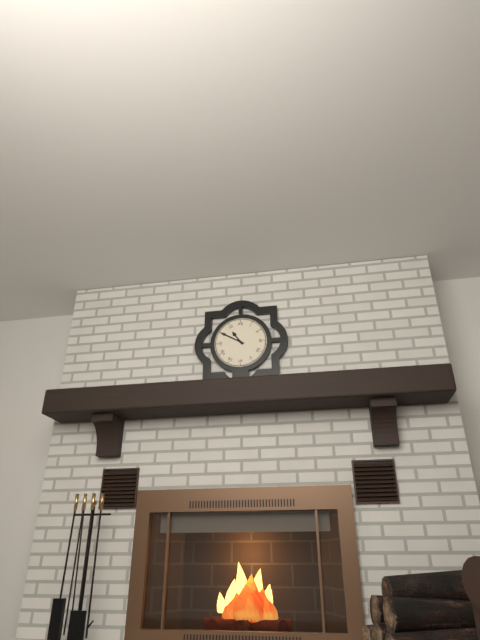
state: 10:50
